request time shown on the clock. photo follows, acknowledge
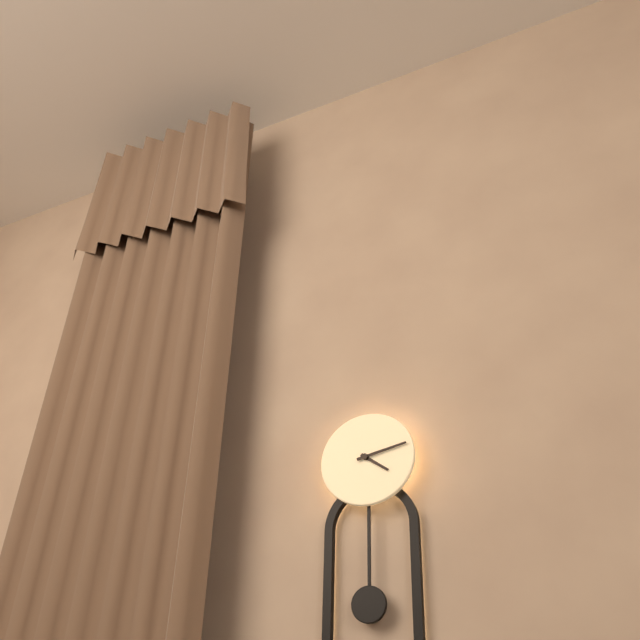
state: 4:13
